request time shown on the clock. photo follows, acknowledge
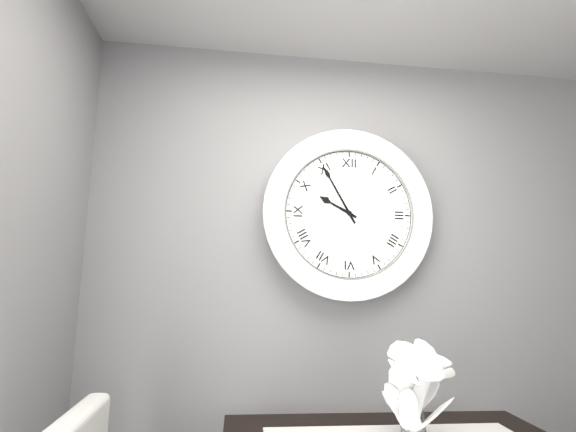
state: 9:55
